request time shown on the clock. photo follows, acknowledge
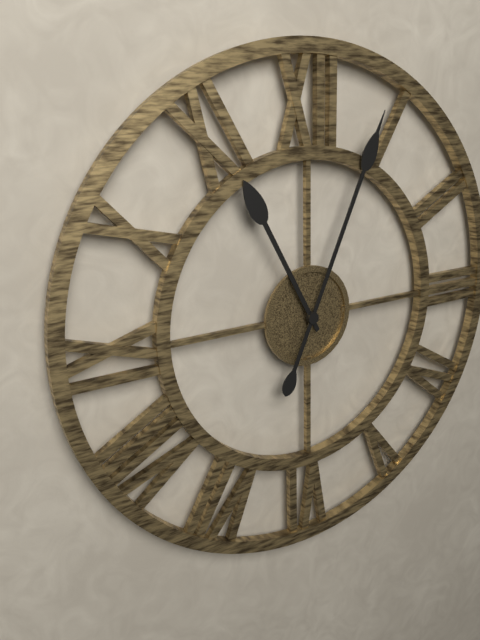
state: 11:04
